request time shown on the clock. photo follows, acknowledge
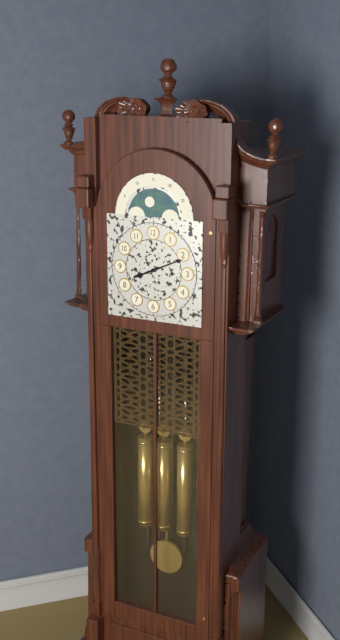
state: 8:11
